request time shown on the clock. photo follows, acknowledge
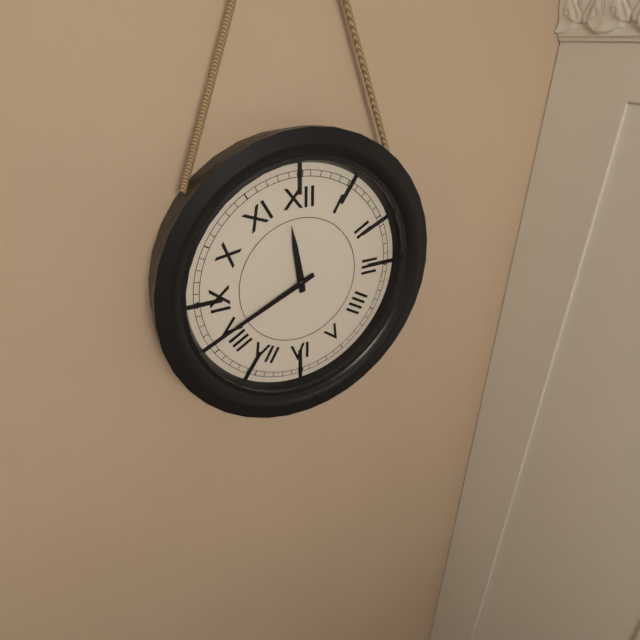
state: 11:41
